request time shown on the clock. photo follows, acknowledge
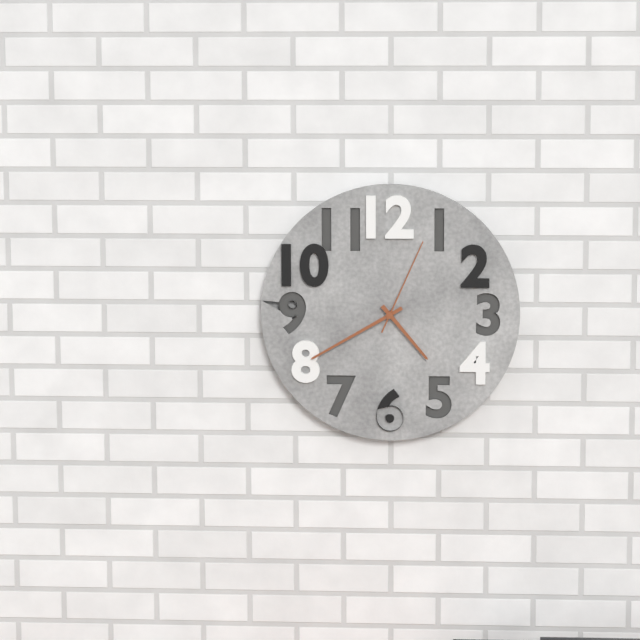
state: 4:40:04
